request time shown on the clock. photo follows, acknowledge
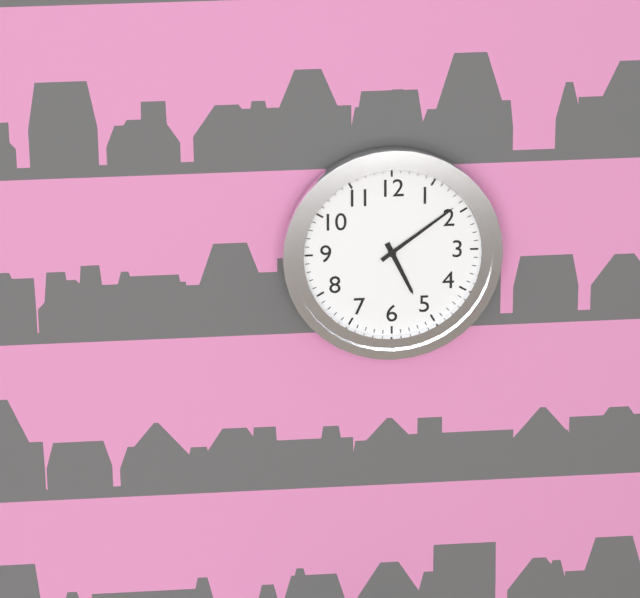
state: 5:09
